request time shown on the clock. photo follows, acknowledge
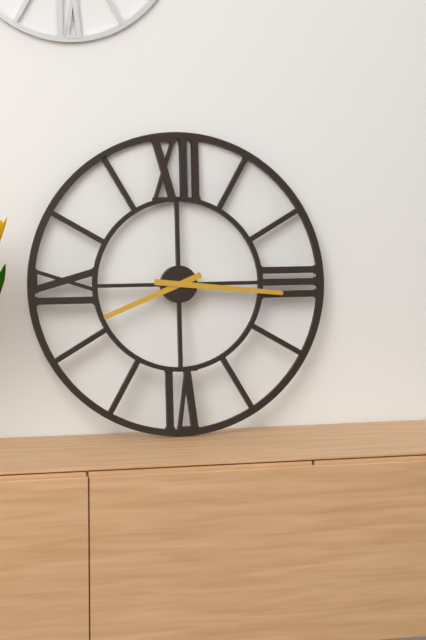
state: 8:16
